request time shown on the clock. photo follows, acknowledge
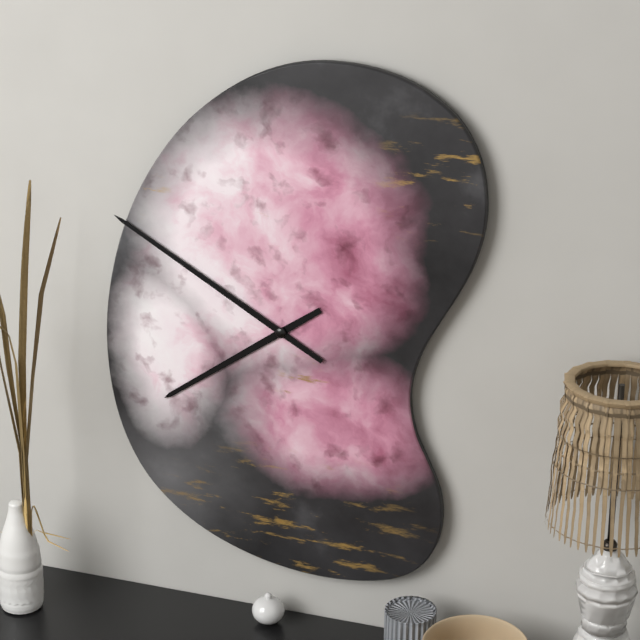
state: 7:50
